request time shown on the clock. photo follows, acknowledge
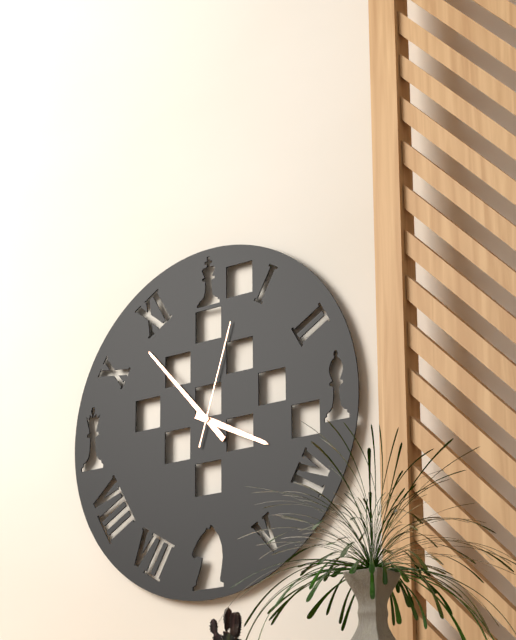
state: 3:53:03
